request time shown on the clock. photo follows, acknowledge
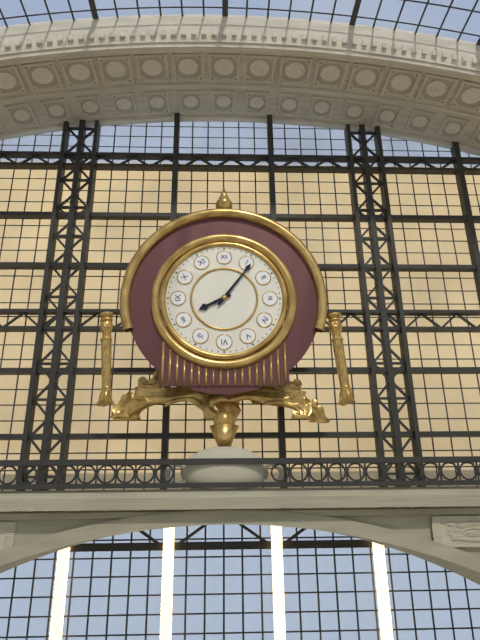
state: 8:06
